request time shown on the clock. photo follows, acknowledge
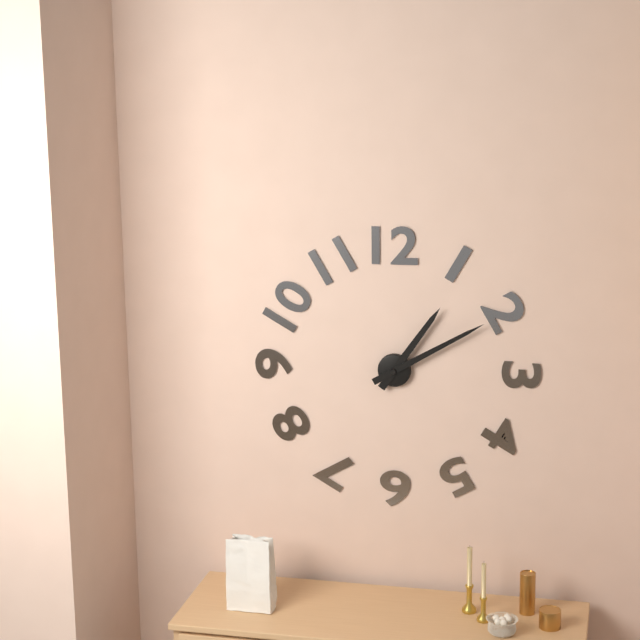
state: 1:10
